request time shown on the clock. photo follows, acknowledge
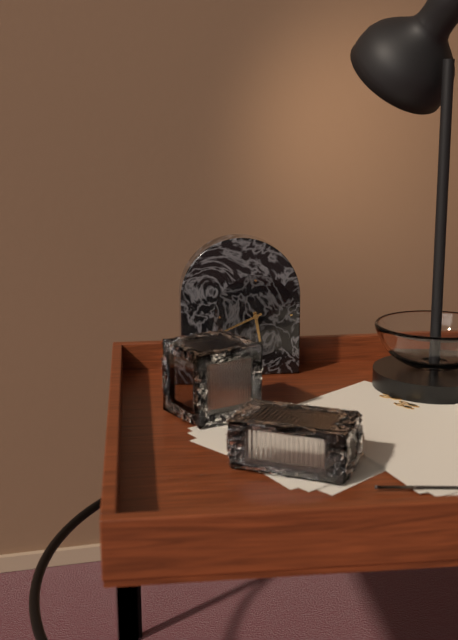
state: 5:41
